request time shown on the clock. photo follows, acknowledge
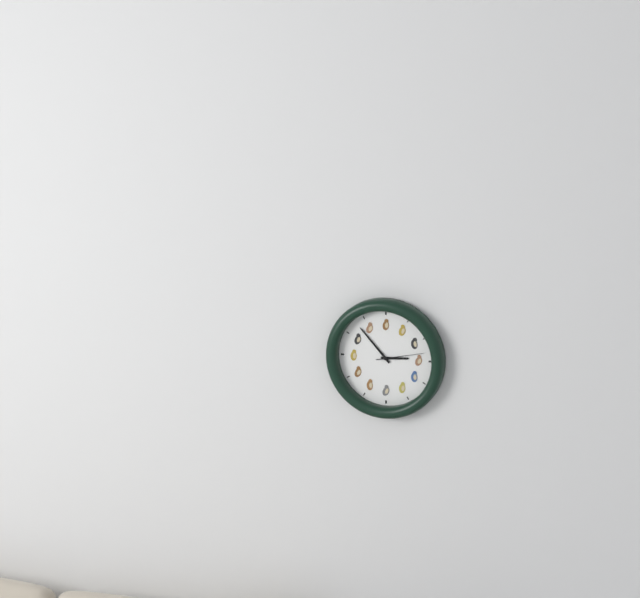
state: 2:53:13
